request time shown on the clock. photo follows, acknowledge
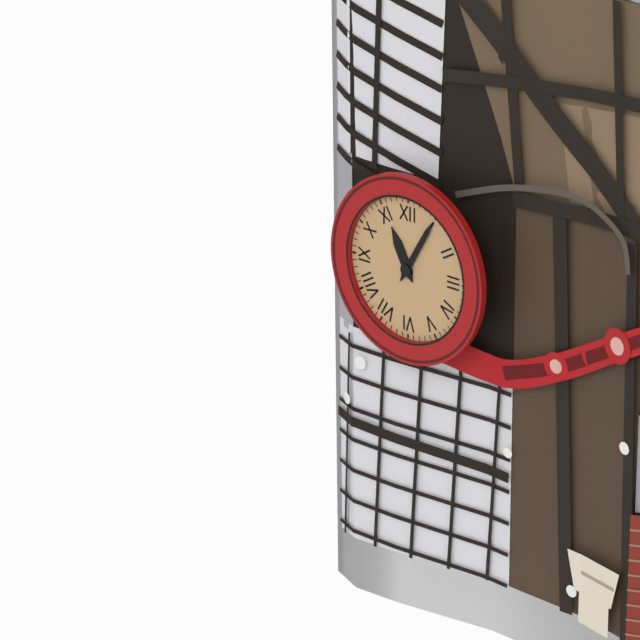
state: 11:05
